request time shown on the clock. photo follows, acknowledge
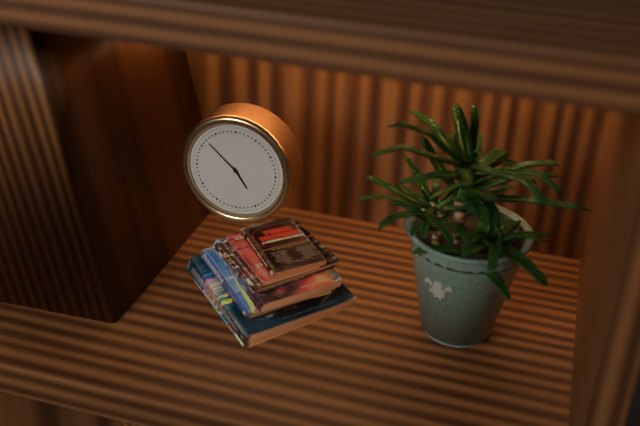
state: 4:52
